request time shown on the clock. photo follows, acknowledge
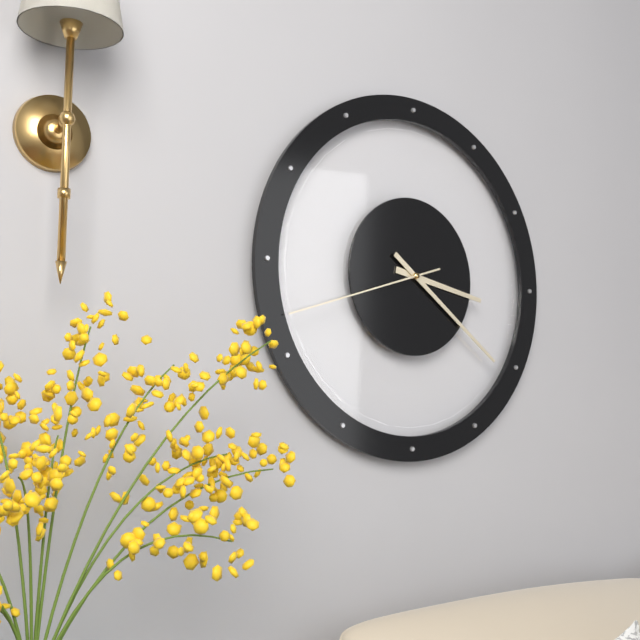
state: 3:21:42
